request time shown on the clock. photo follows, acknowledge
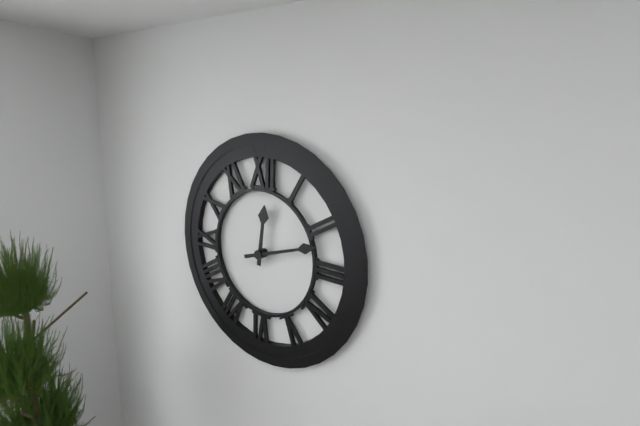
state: 12:12
